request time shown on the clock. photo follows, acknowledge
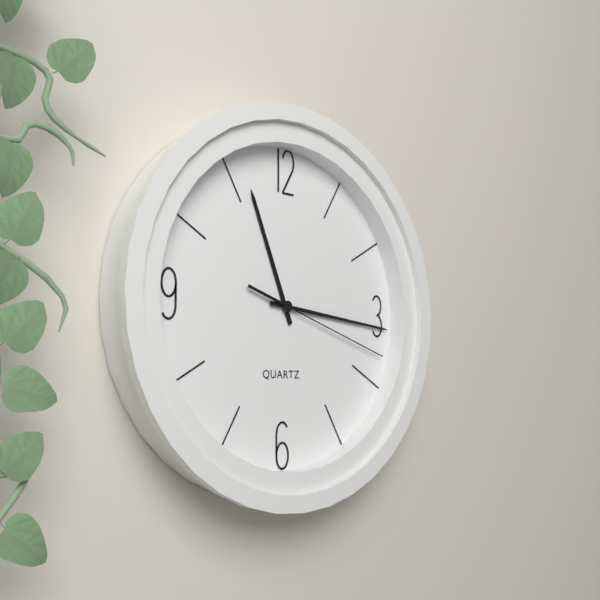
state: 11:16:18
